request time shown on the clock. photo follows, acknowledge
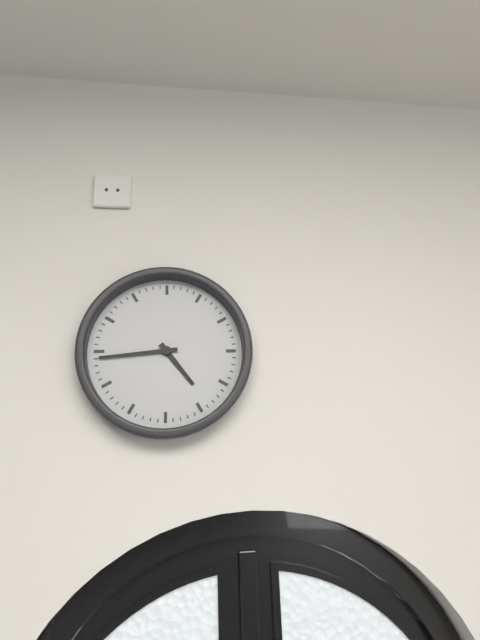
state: 4:44
